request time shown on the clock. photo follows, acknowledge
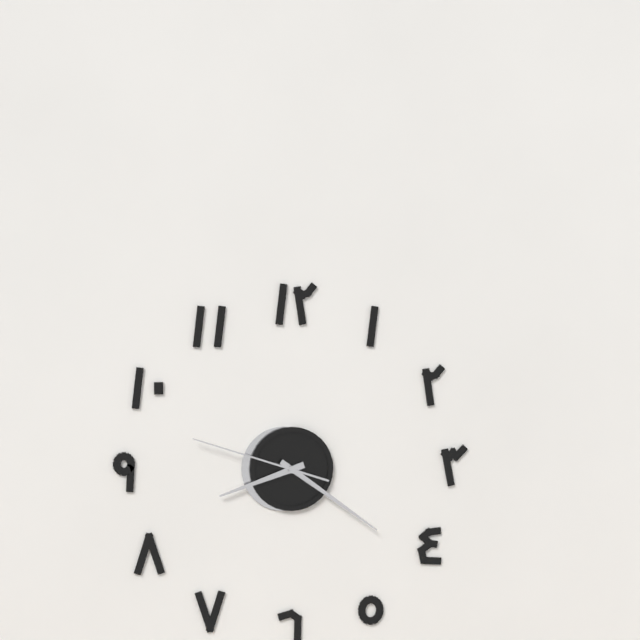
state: 8:21:48
